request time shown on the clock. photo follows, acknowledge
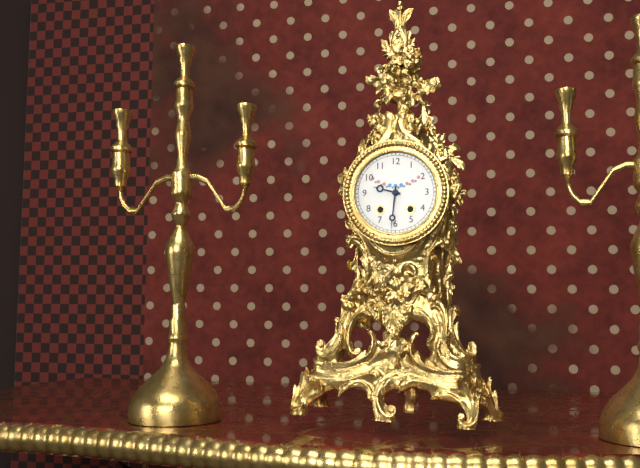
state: 9:31
